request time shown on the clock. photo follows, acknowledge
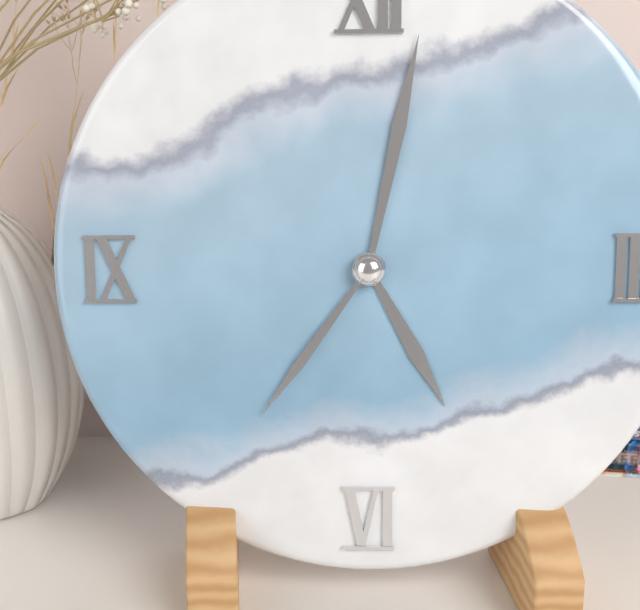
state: 5:02:36
